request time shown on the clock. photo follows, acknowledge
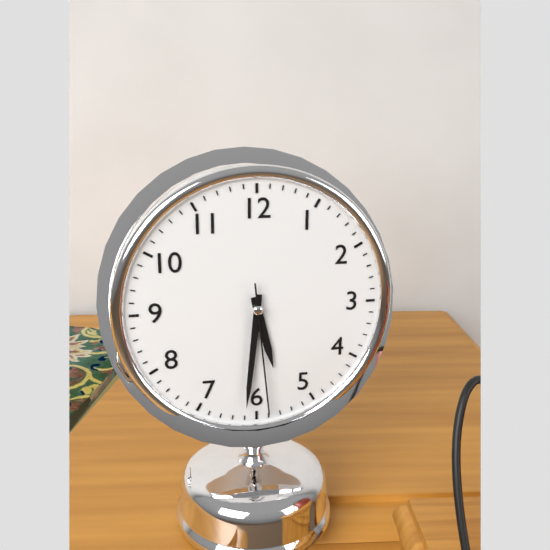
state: 5:31:29
